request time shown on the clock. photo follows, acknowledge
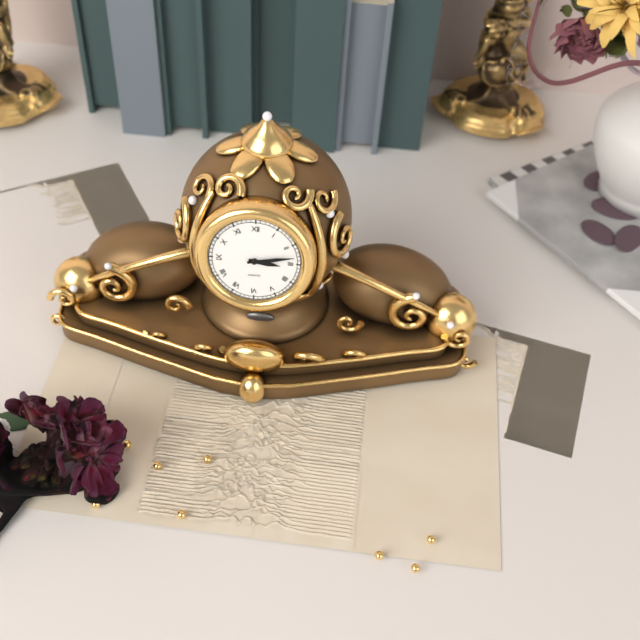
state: 3:13
